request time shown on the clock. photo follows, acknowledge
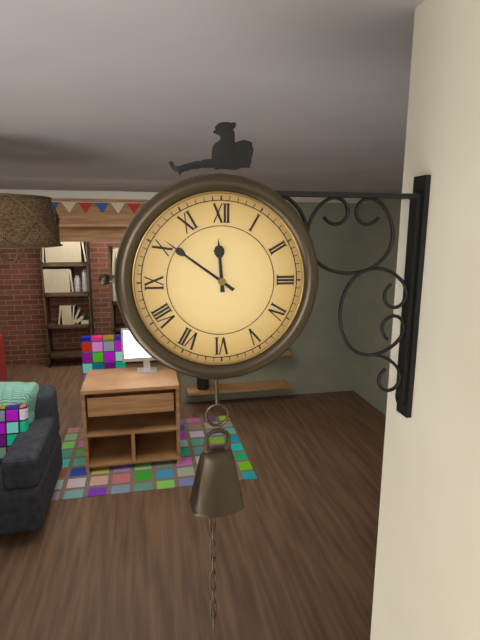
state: 11:51
